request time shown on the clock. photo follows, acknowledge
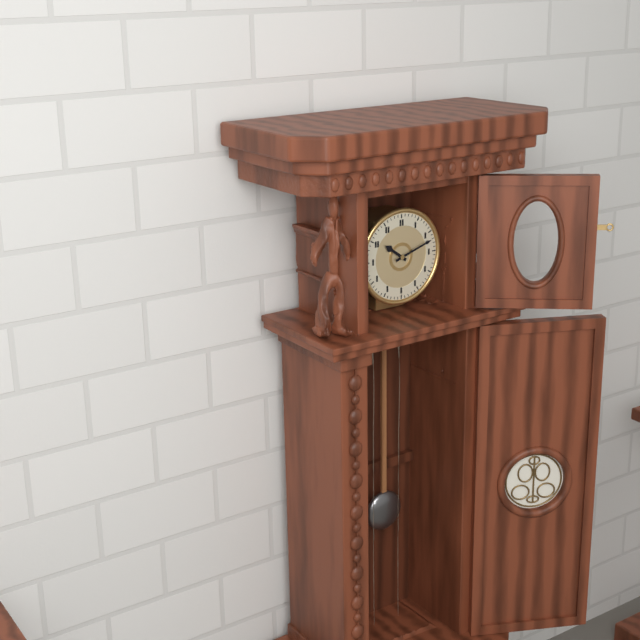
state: 10:12
